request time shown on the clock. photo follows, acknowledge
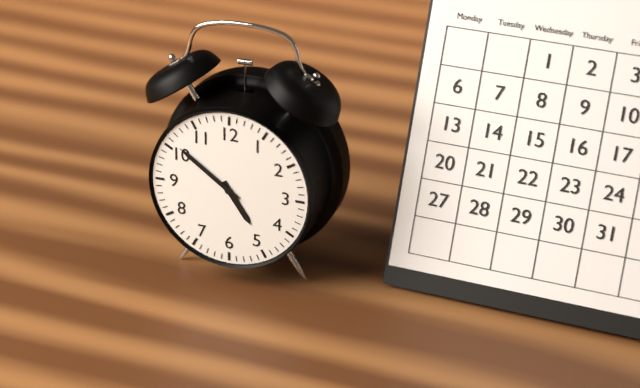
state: 4:51
